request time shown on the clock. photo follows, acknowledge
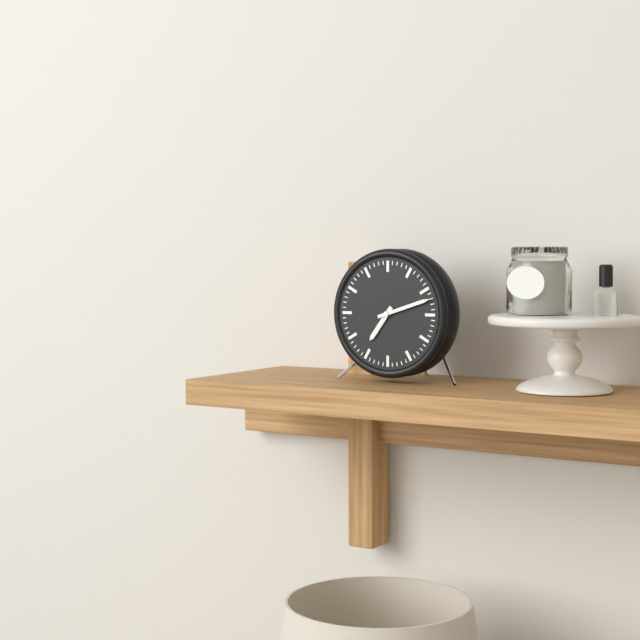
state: 7:12
